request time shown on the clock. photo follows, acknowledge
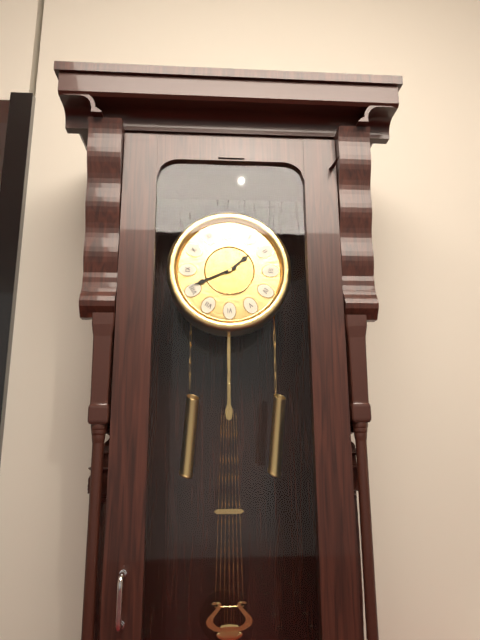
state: 1:41
